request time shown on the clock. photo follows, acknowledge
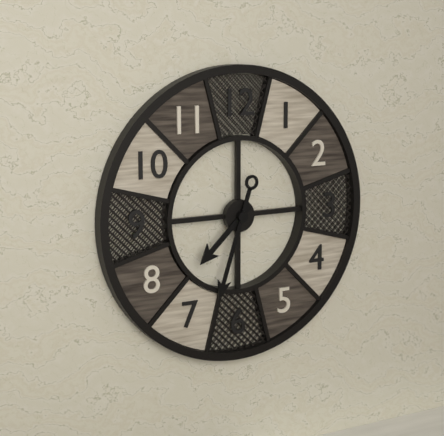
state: 7:33
